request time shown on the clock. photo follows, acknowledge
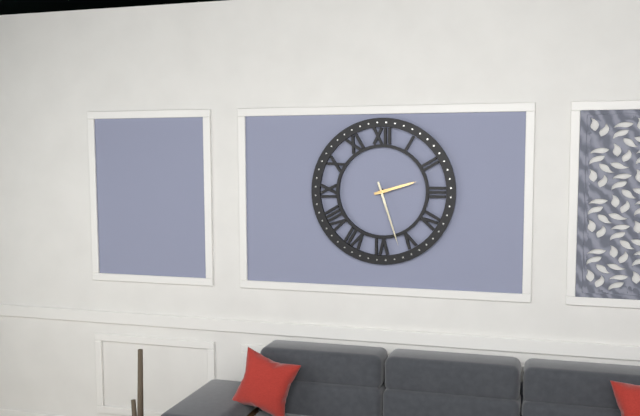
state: 2:27
